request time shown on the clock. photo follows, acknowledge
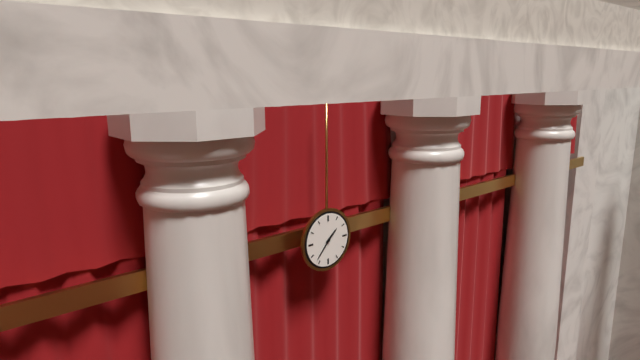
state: 1:37
